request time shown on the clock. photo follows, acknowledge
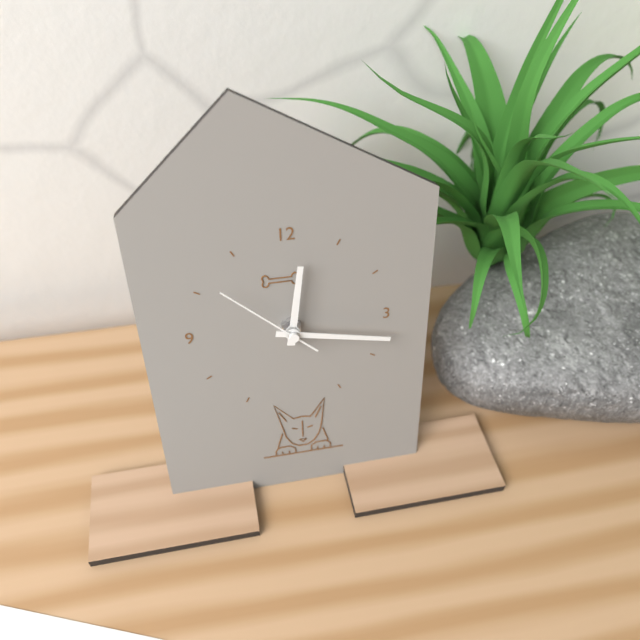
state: 12:17:52
